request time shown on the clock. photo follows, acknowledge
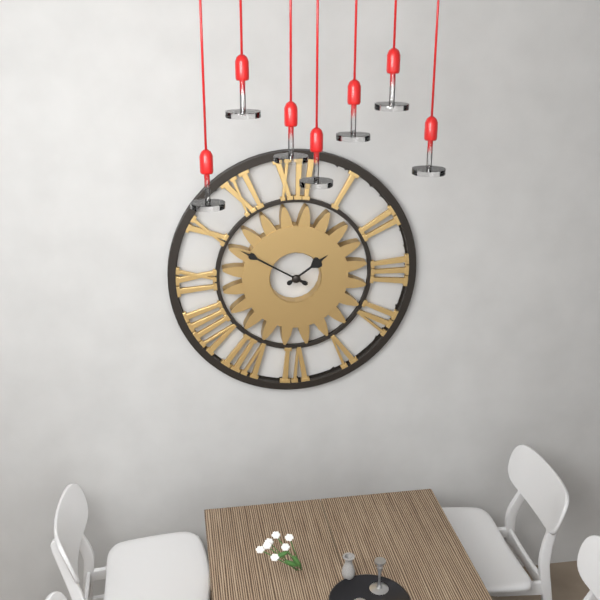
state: 1:50
